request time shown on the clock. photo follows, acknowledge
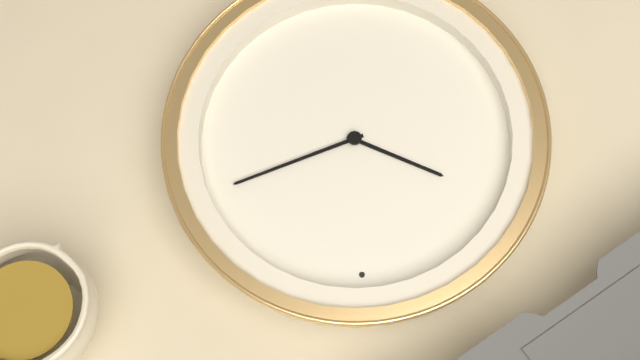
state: 9:08
